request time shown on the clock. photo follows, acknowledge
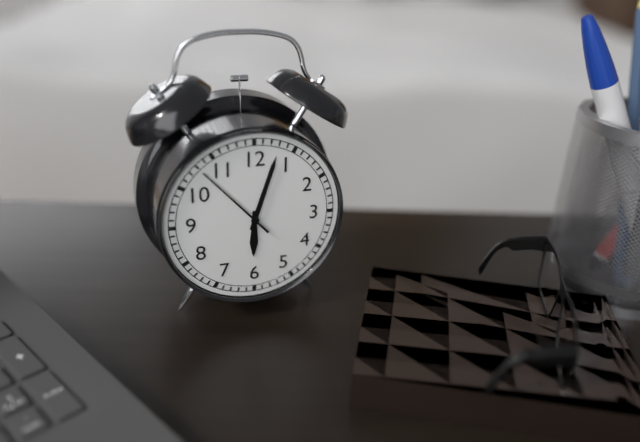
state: 6:03:53
